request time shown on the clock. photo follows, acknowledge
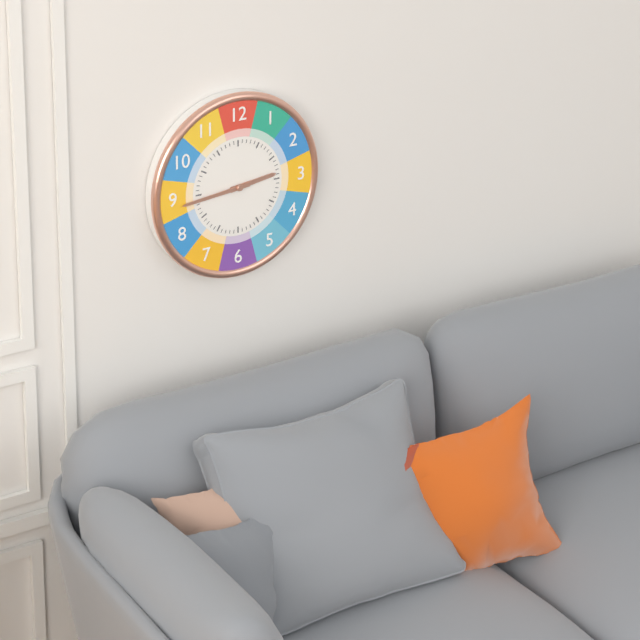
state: 2:44
